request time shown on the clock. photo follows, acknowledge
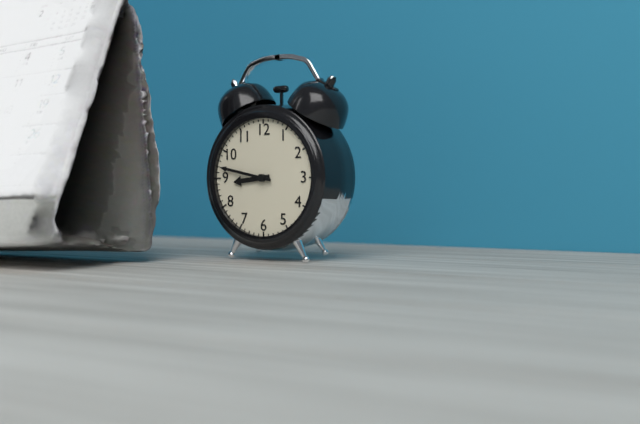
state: 8:47
